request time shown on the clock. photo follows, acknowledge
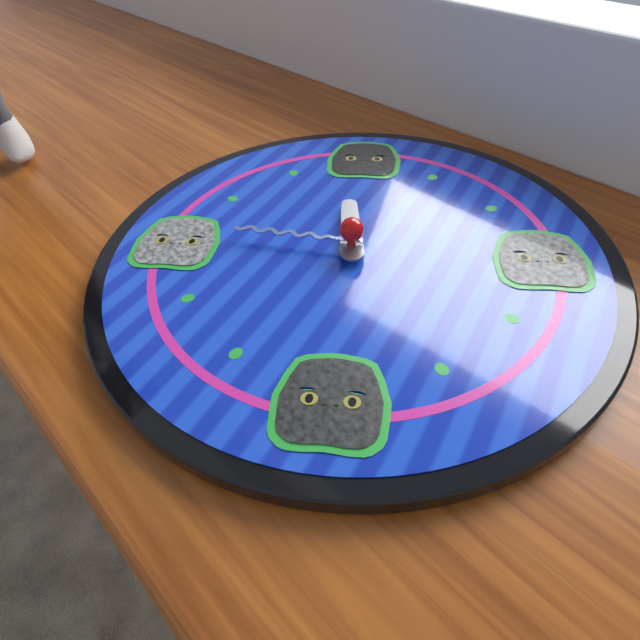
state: 11:46
